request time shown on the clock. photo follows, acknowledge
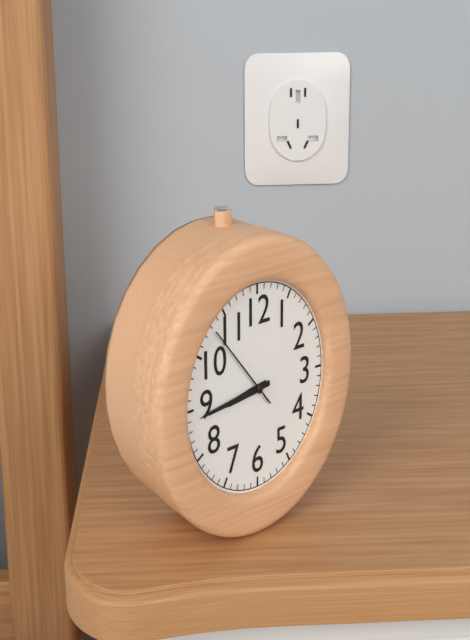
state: 8:44:53
